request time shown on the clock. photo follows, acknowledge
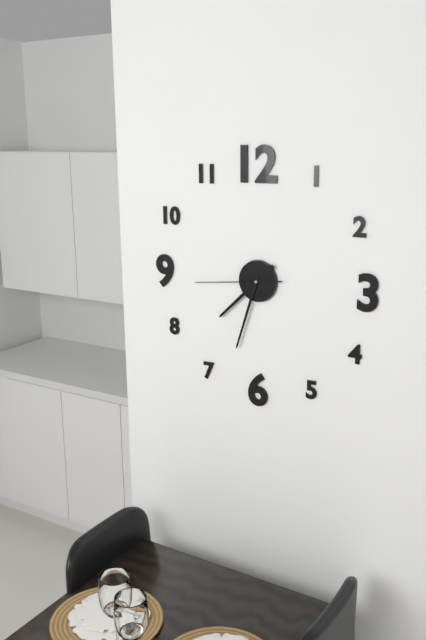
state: 7:33:44
